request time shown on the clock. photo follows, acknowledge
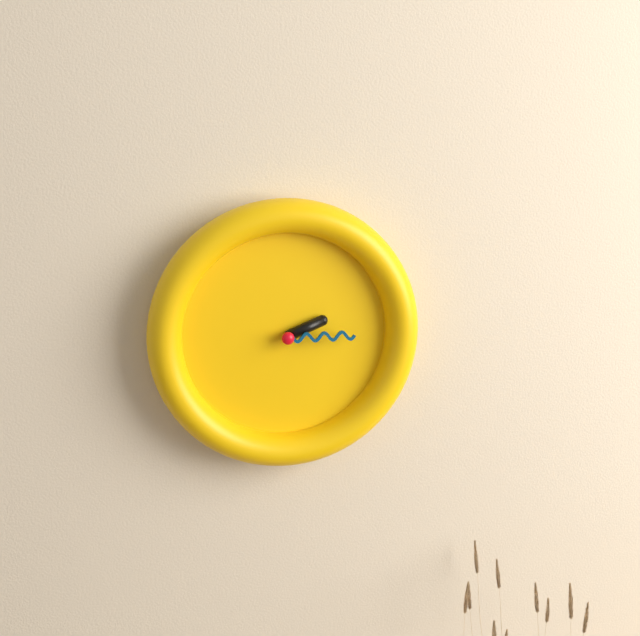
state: 2:15
